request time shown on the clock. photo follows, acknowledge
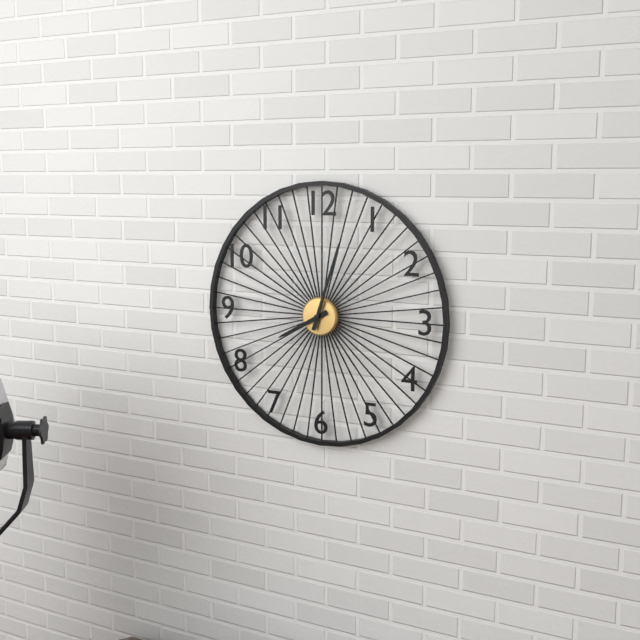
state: 8:03
